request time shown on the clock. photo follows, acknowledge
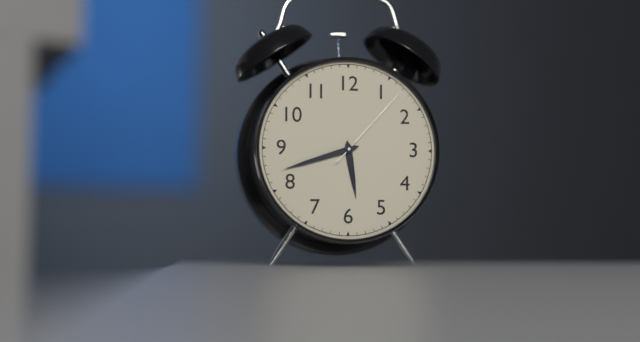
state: 5:42:07
